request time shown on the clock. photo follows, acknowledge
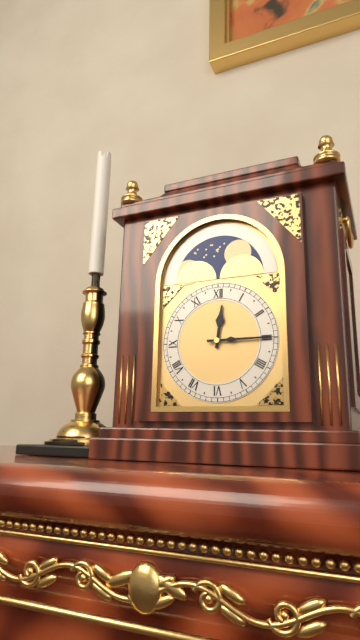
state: 12:15
